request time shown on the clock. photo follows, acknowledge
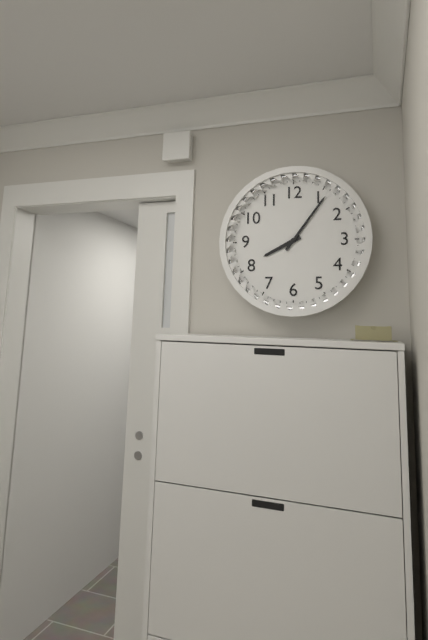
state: 8:06
